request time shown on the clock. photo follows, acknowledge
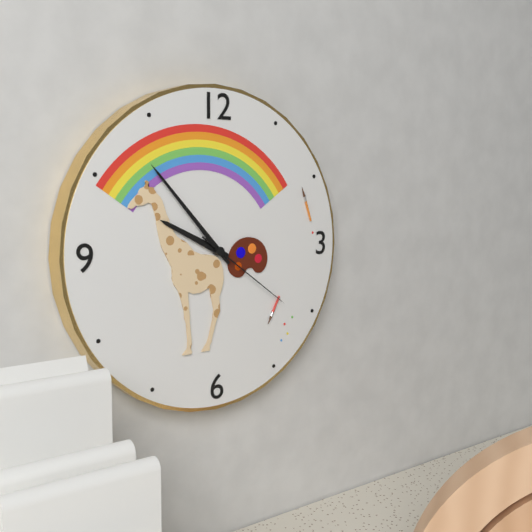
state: 9:53:21
